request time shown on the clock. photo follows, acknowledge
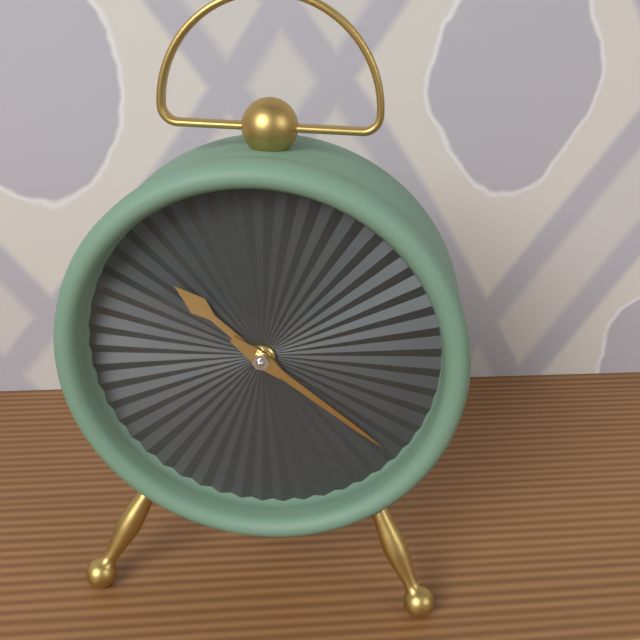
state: 10:21
